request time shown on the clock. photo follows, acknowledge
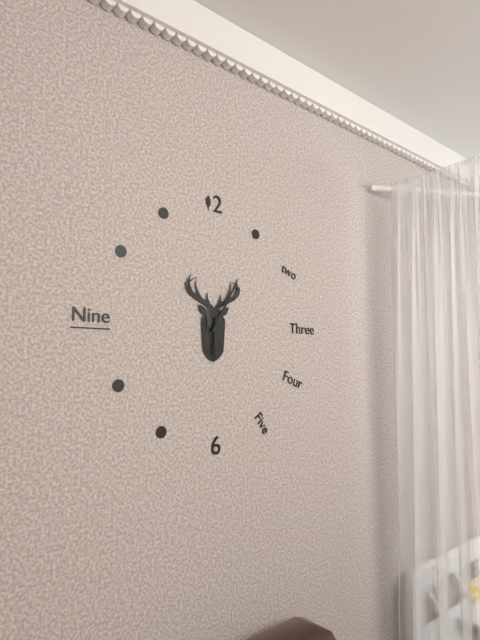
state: 6:05
